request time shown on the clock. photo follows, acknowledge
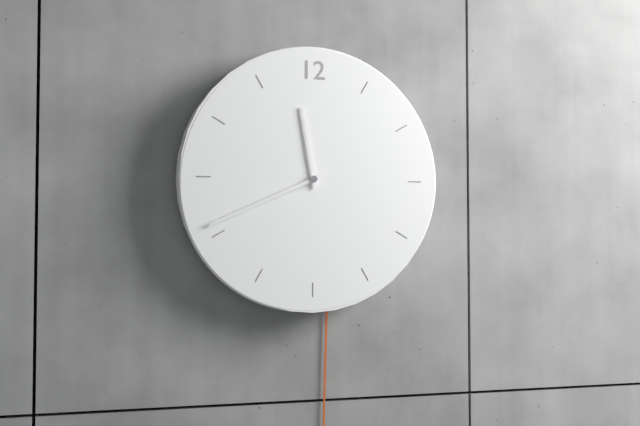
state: 11:41
